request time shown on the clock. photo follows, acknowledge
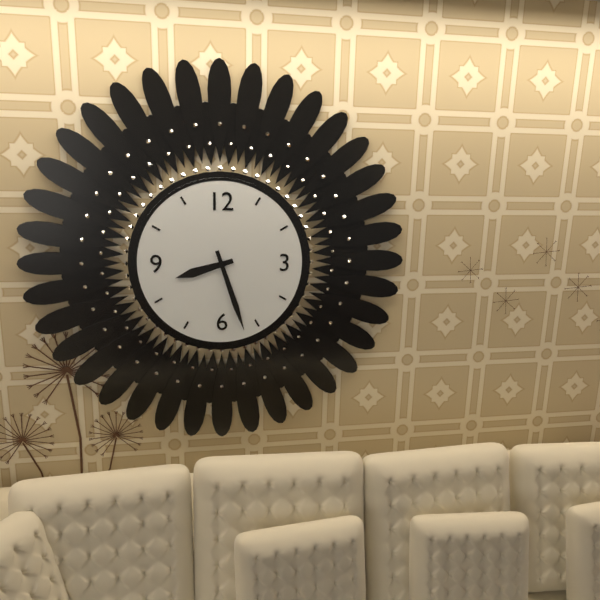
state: 8:27
